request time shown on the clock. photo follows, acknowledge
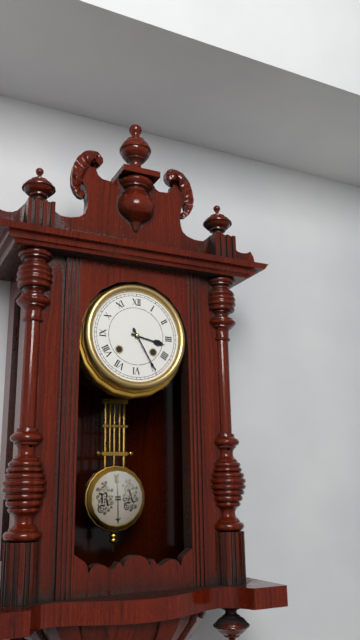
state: 3:25
